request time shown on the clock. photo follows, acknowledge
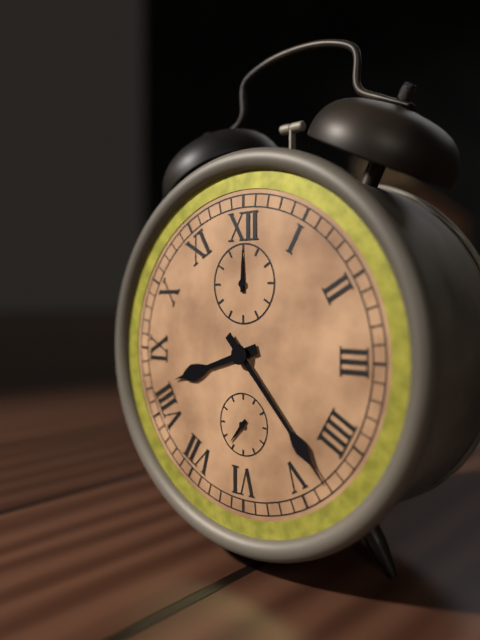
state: 8:23
